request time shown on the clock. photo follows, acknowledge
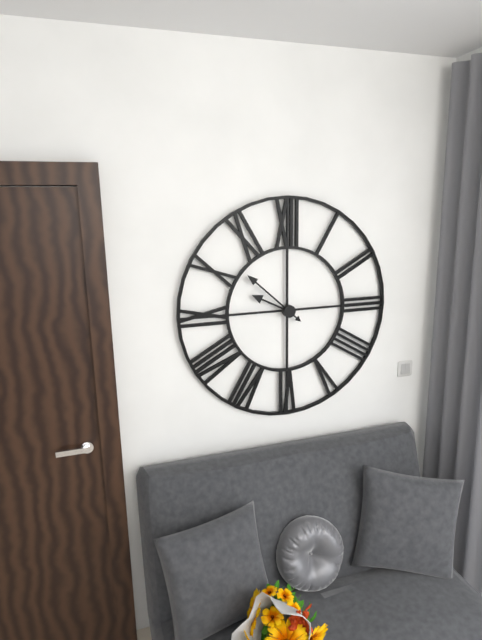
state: 9:52
